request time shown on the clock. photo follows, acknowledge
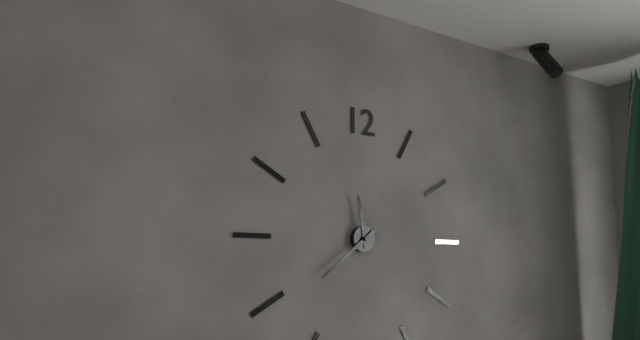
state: 11:39
